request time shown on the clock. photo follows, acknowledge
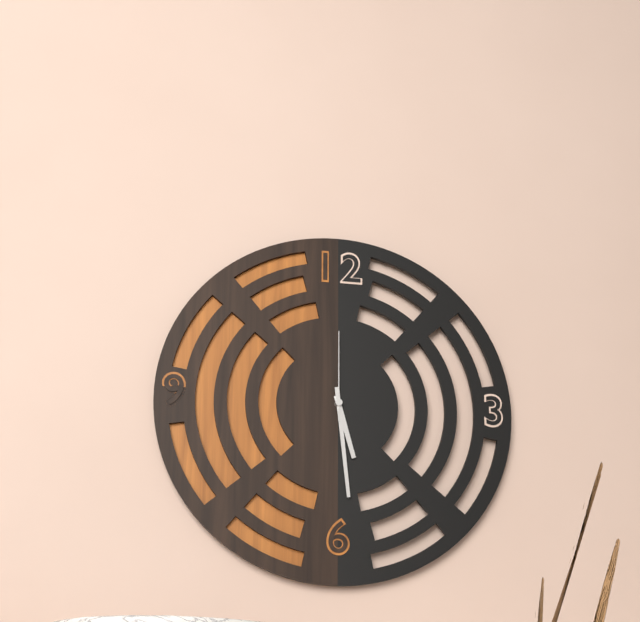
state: 5:29:00
